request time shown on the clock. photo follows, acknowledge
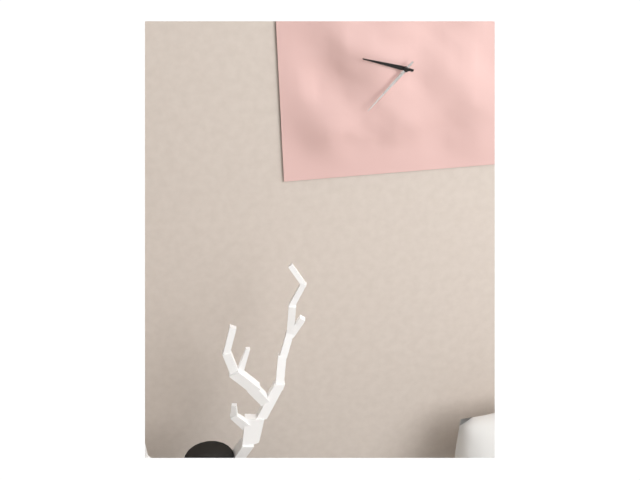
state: 9:37
